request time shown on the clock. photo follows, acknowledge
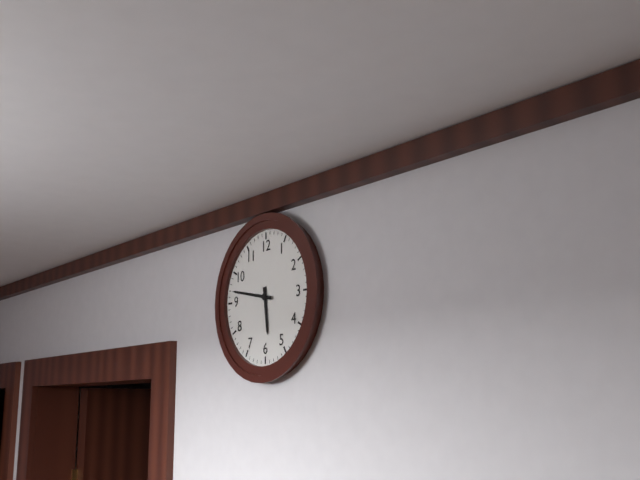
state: 5:47
